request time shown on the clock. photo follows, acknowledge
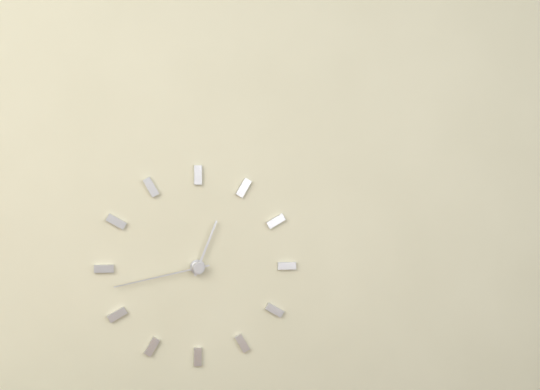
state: 12:43
